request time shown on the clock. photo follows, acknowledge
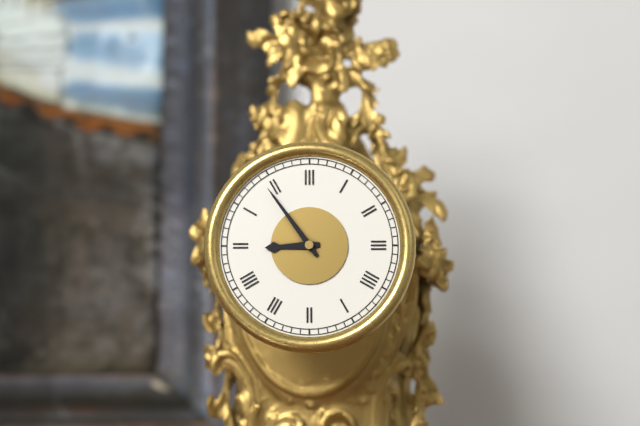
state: 8:54
